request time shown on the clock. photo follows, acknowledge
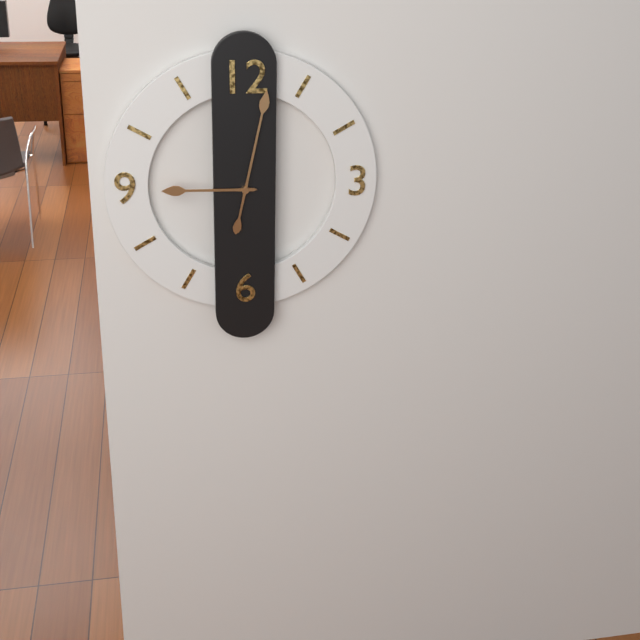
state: 9:02
